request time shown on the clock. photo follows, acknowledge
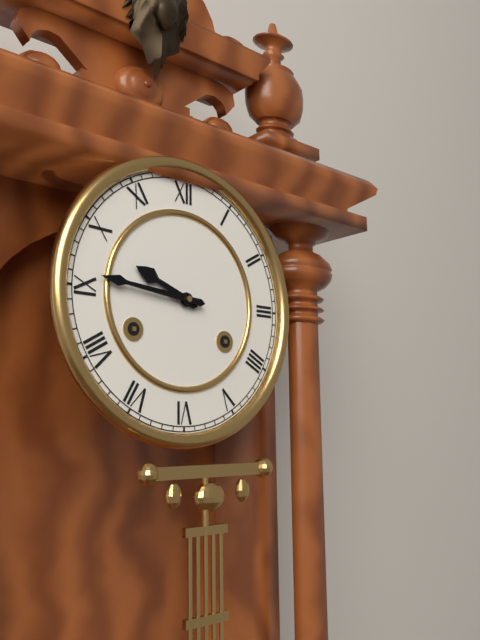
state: 9:46
